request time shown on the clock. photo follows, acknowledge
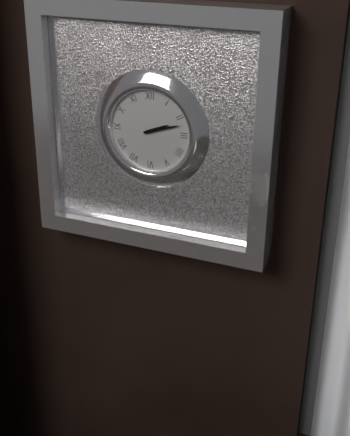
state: 2:12
